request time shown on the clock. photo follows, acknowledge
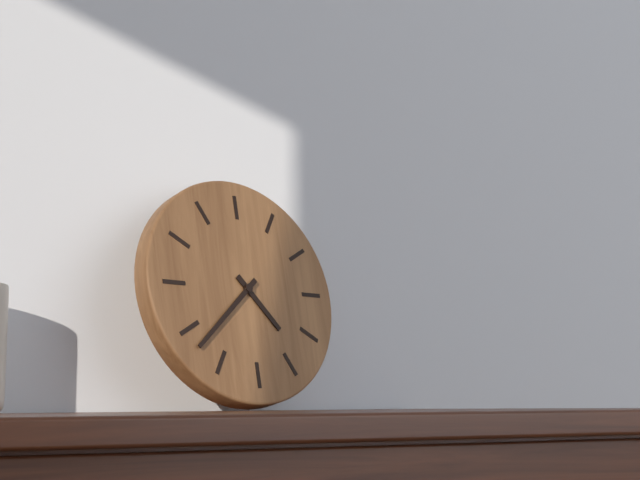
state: 4:38
